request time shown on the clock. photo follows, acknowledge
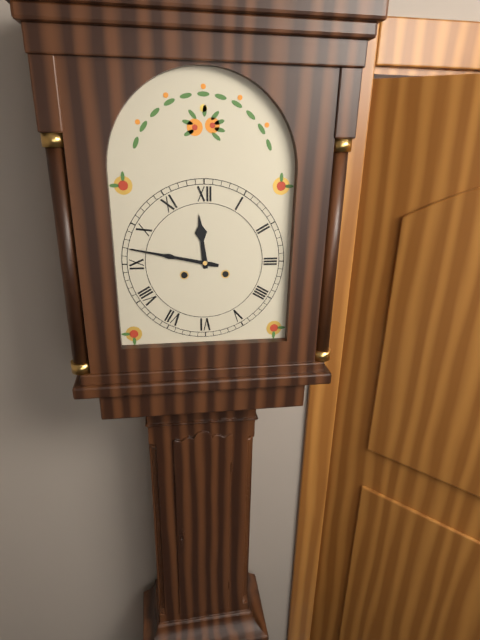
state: 11:47
